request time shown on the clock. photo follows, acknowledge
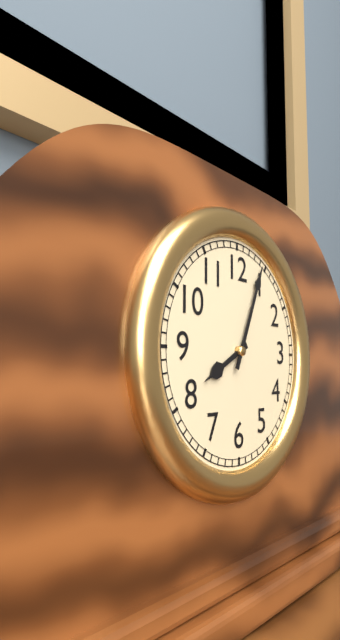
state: 8:04
